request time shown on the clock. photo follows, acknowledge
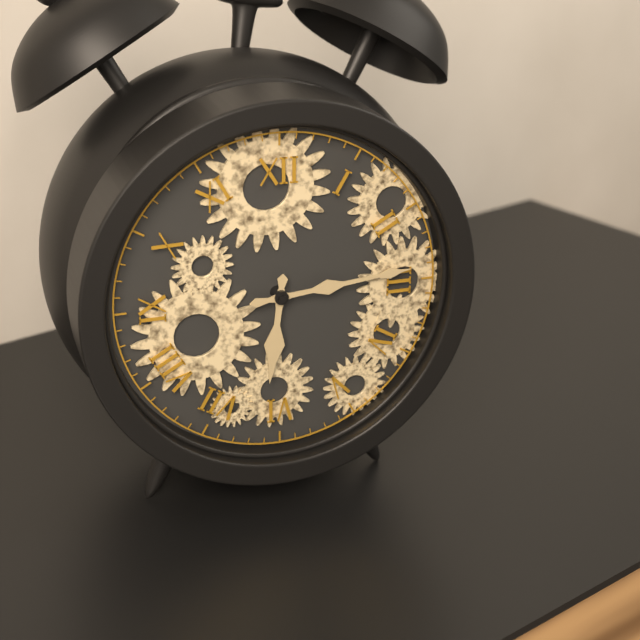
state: 6:14
